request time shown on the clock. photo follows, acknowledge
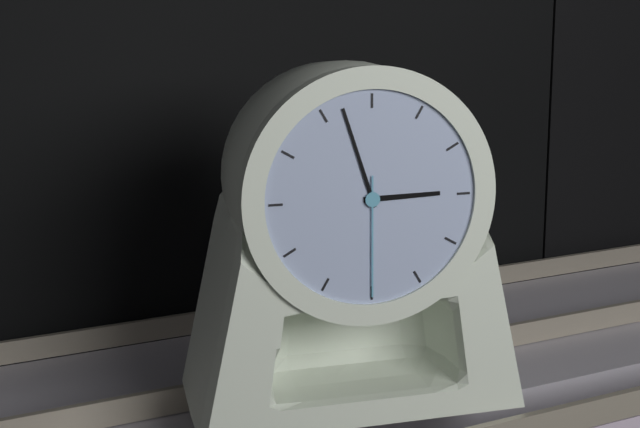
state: 2:57:30
